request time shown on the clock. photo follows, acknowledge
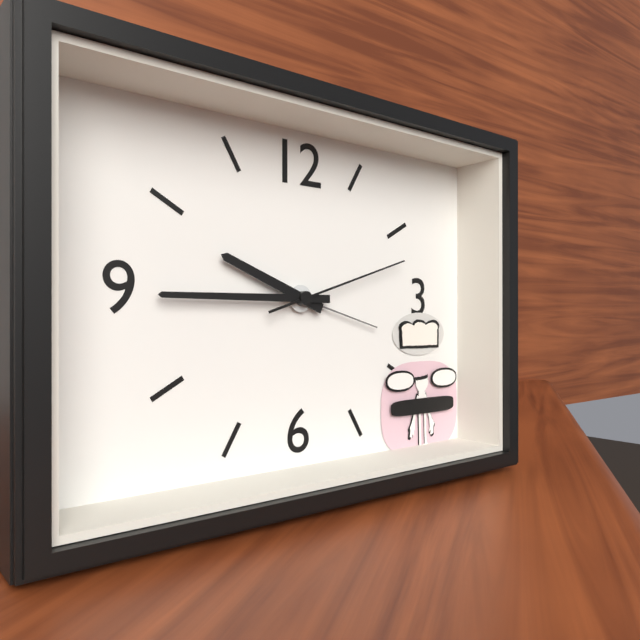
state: 9:45:12
